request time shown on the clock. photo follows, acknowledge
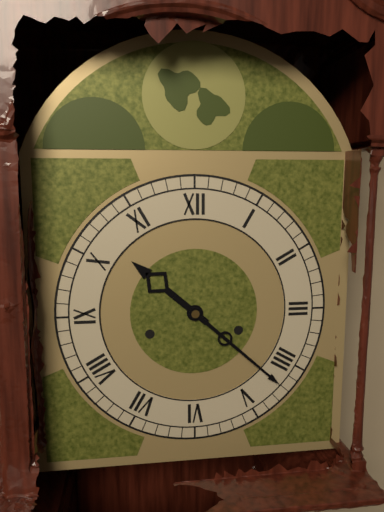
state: 10:22
